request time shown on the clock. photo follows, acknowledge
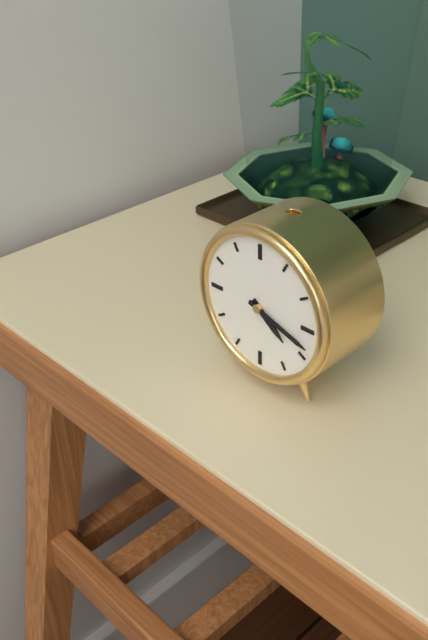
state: 4:18
